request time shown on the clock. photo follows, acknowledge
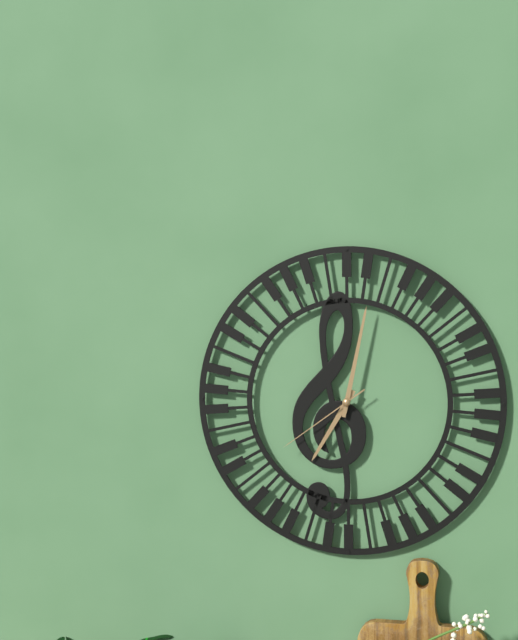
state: 7:02:39
